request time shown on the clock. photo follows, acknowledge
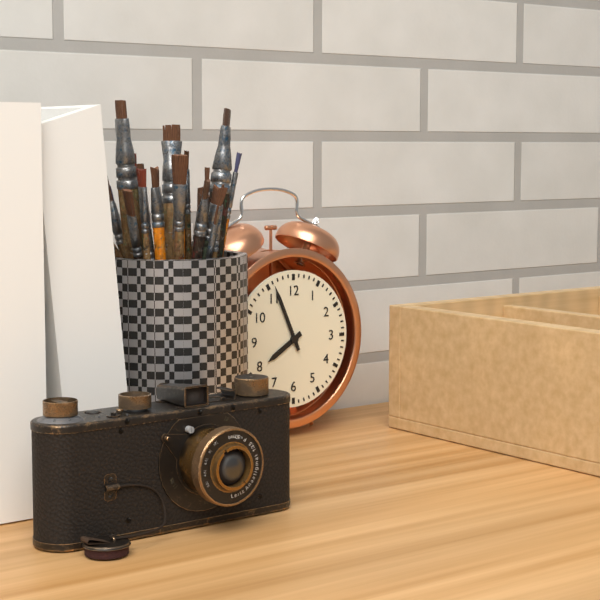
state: 7:56
